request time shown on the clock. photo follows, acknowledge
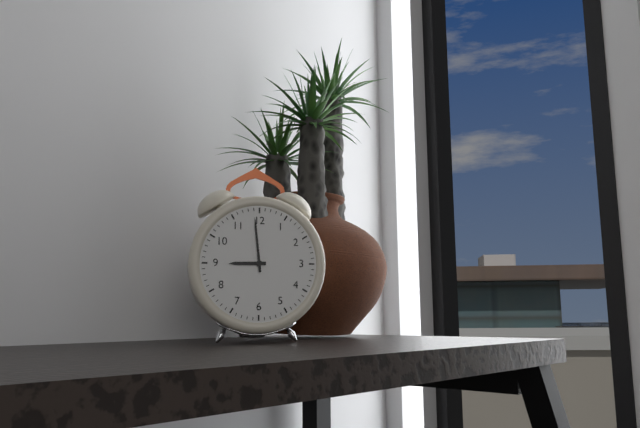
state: 8:59
